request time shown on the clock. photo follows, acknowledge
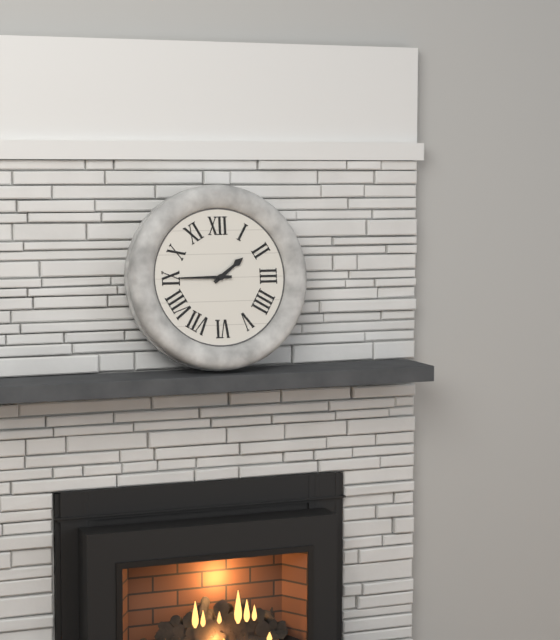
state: 1:45
